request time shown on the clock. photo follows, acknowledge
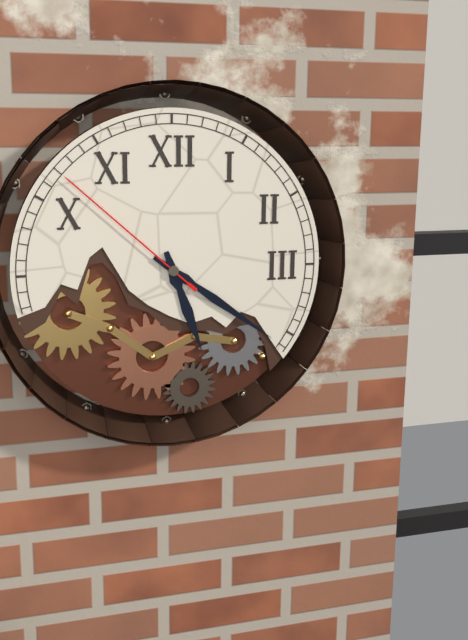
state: 5:21:52
